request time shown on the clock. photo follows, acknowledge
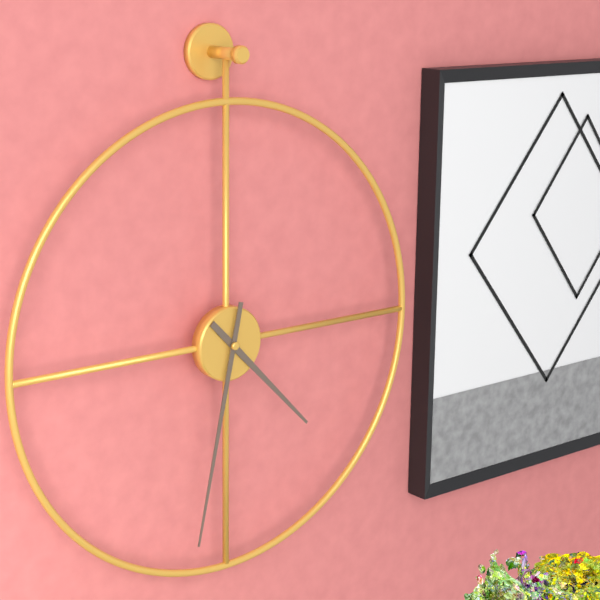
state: 4:32
